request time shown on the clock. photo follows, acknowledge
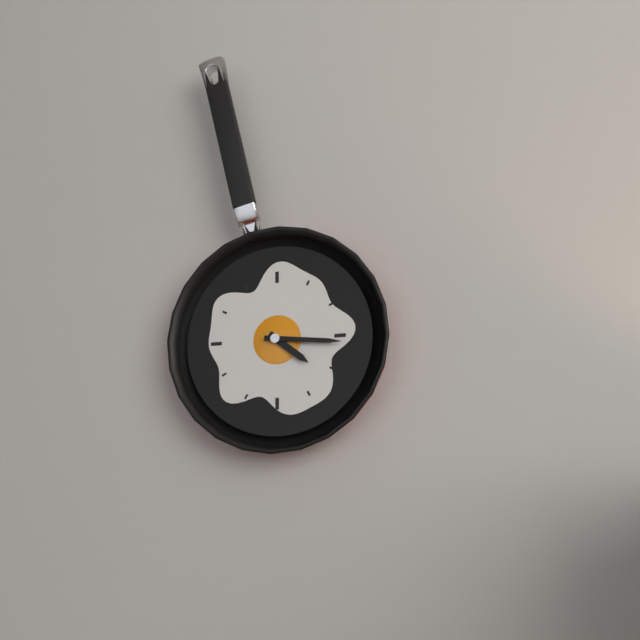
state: 4:16
